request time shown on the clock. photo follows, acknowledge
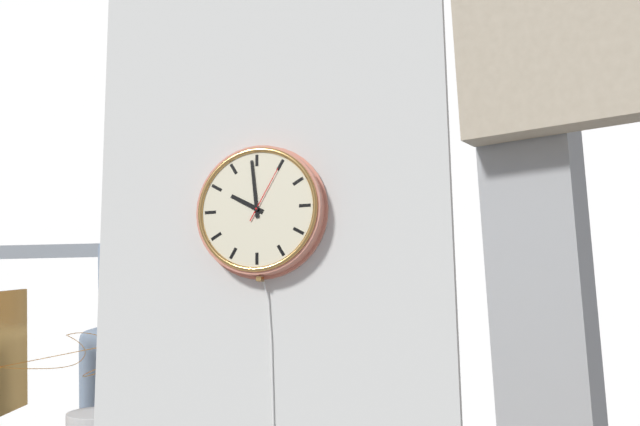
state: 9:59:05
